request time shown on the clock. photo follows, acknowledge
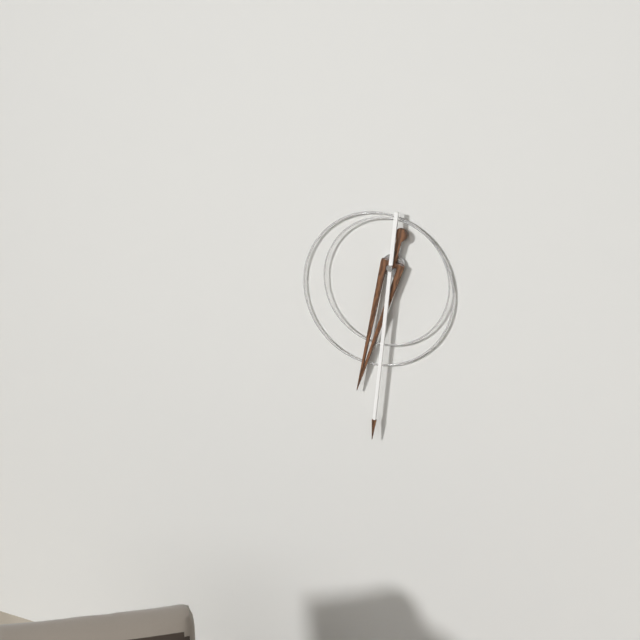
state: 6:31
